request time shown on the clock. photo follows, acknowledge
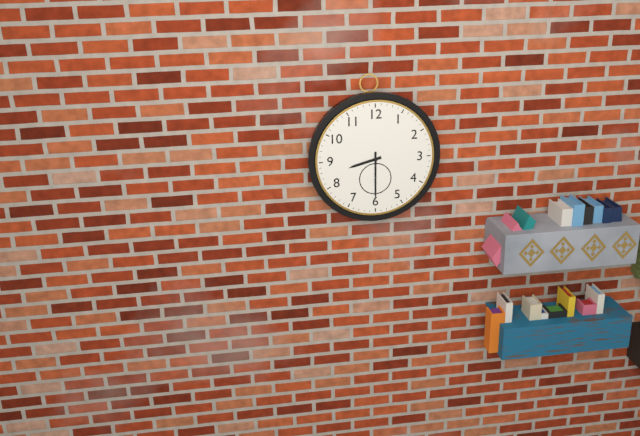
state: 8:30
